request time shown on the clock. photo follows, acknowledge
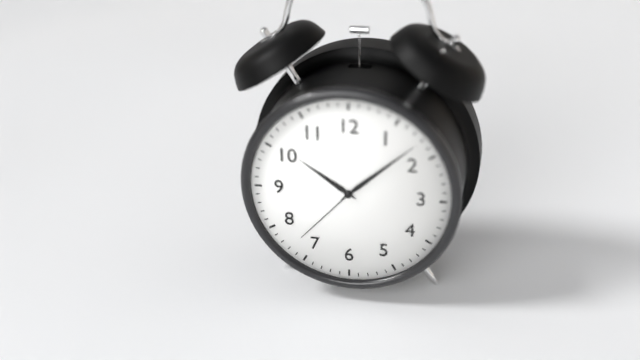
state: 10:08:37
